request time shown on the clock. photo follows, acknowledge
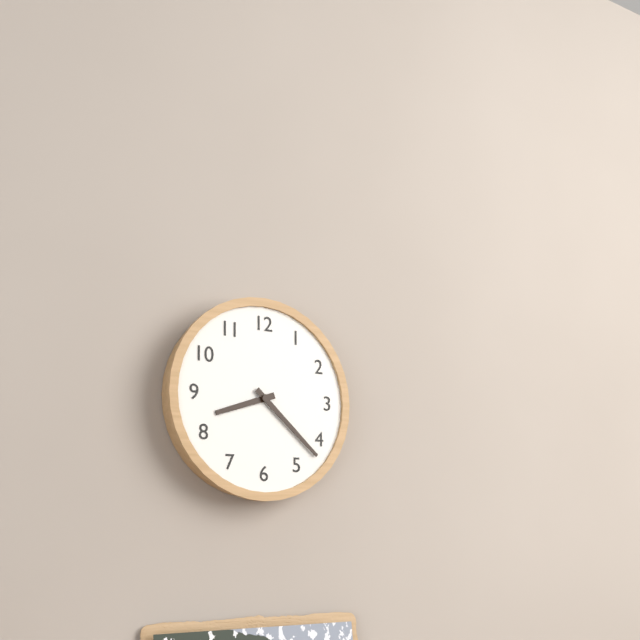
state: 8:22
